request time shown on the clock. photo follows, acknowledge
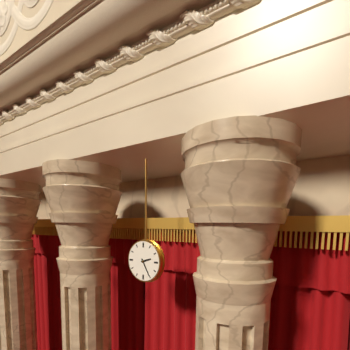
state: 2:25
